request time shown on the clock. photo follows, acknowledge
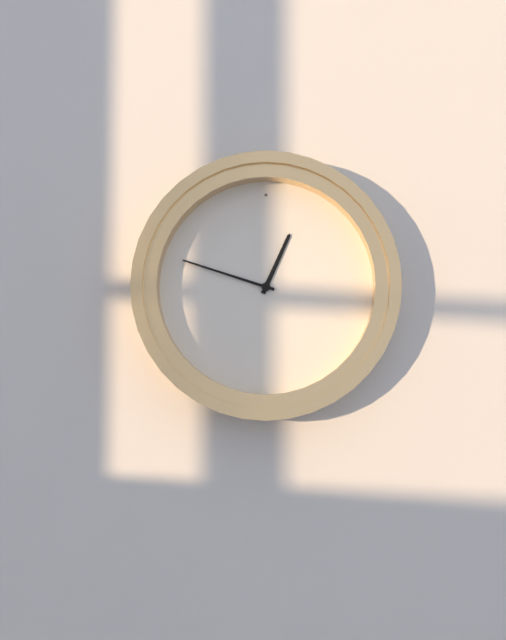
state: 12:48
